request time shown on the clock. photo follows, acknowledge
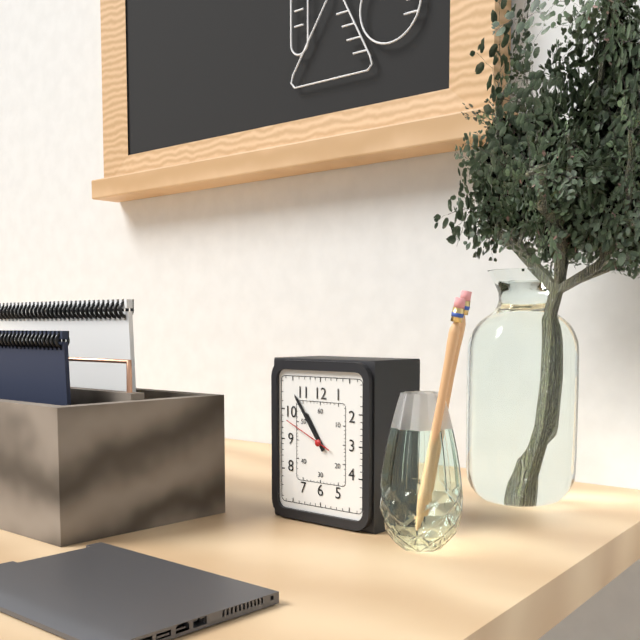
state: 10:54:49
